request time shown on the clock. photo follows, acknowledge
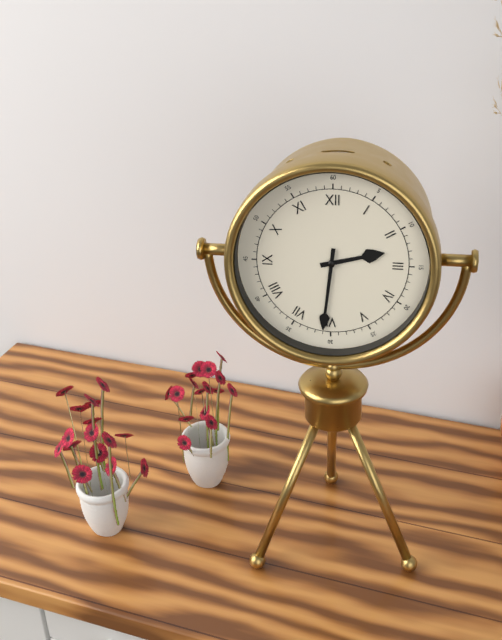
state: 2:31
